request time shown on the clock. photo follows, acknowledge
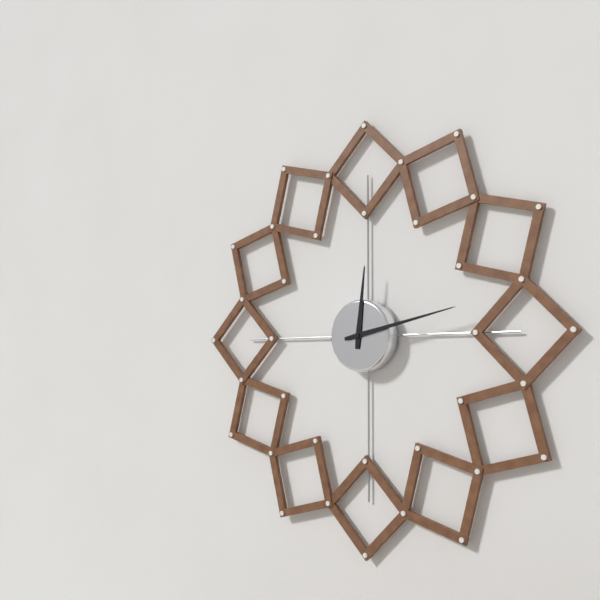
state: 12:13
